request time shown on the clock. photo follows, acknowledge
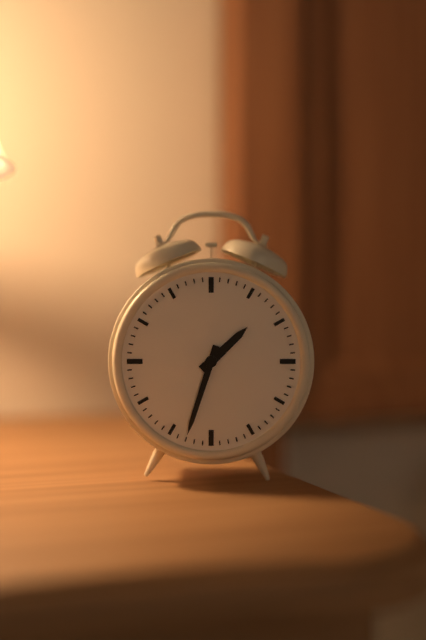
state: 1:33
